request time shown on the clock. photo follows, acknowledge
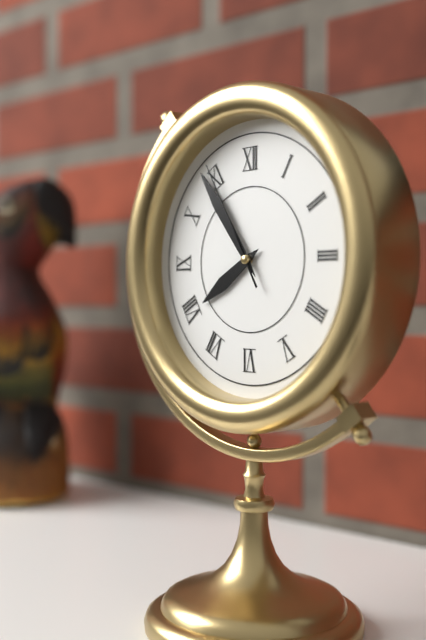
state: 7:54:55
